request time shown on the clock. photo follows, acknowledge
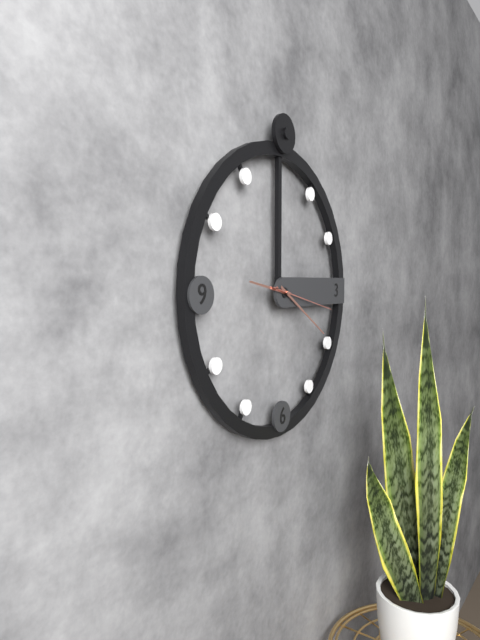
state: 9:20:17
